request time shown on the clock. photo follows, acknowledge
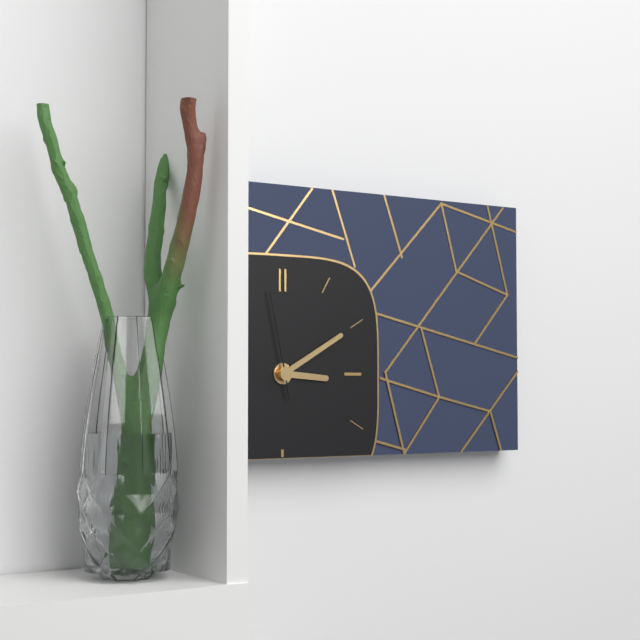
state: 3:10:58
